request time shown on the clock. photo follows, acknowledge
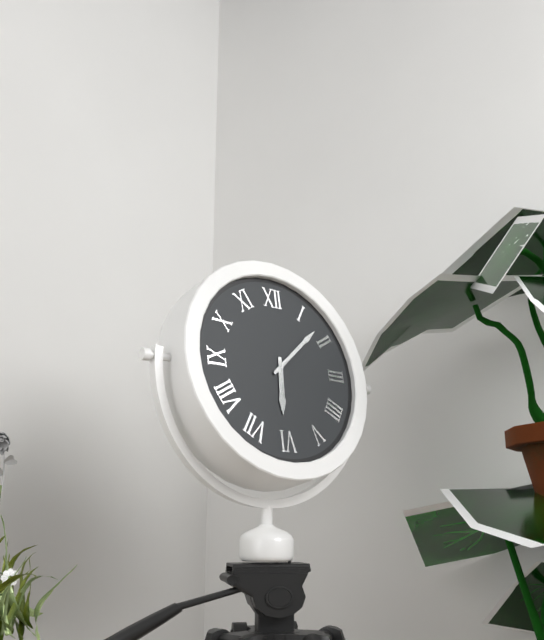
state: 6:08
